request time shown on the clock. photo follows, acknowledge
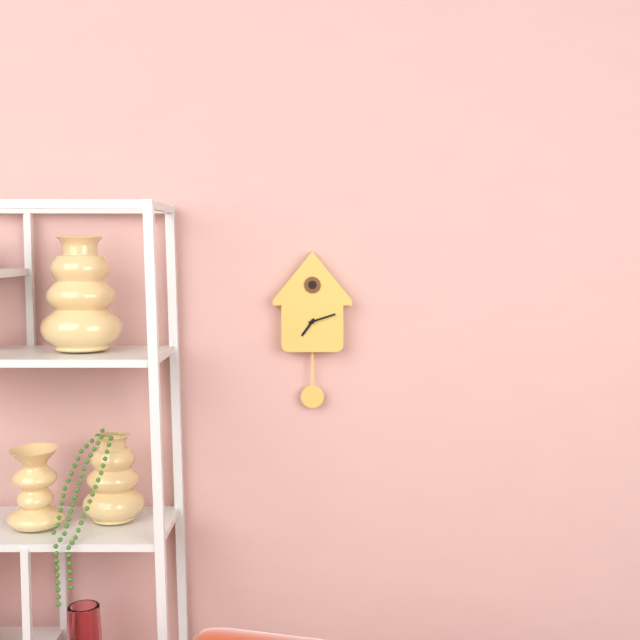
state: 7:12
